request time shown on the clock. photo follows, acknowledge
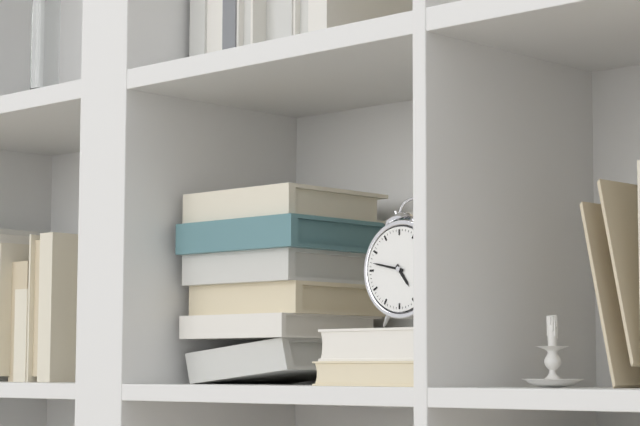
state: 4:47
